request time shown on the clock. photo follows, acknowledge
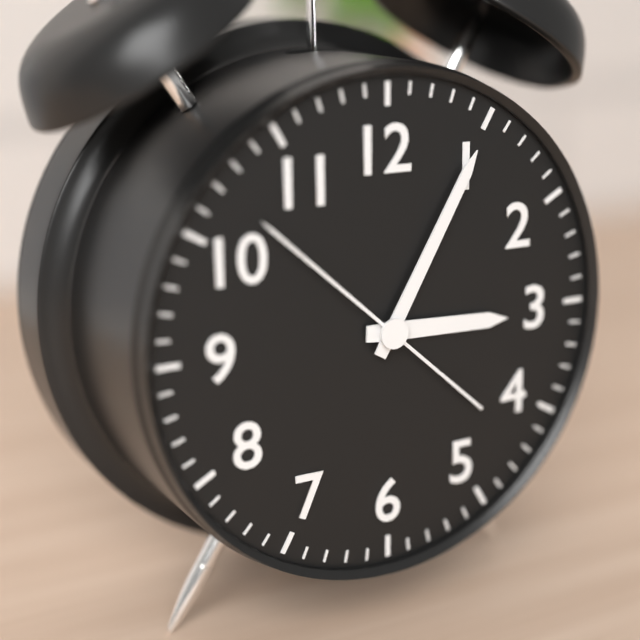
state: 3:05:52
